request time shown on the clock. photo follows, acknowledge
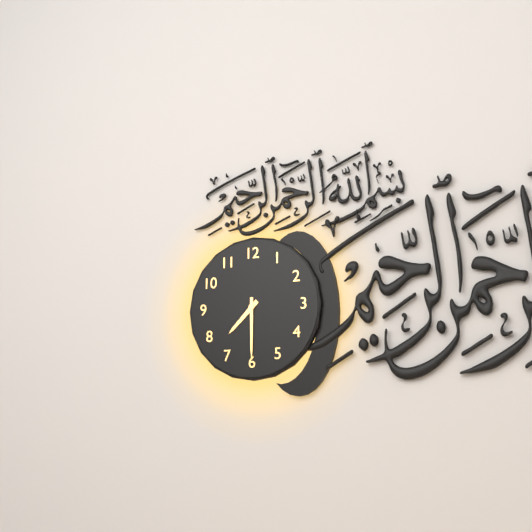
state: 7:30
